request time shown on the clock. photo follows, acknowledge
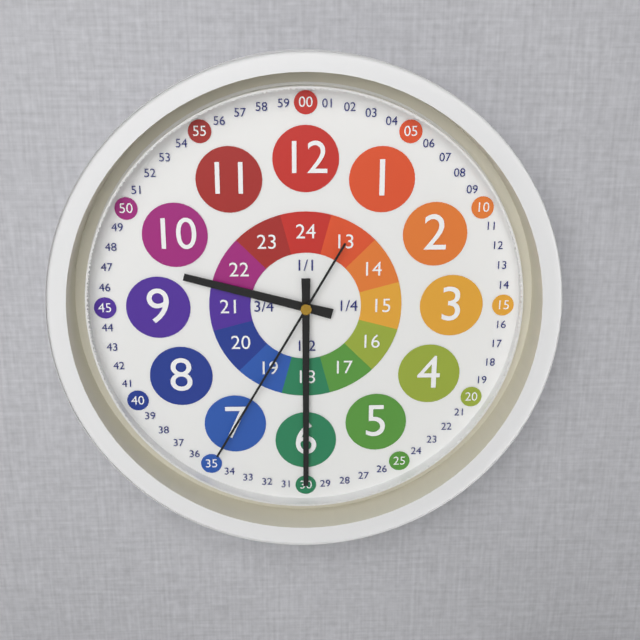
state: 9:30:35
